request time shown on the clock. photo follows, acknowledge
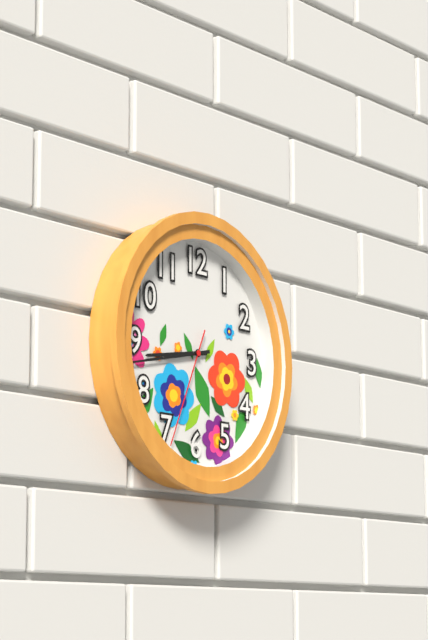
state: 8:43:34
